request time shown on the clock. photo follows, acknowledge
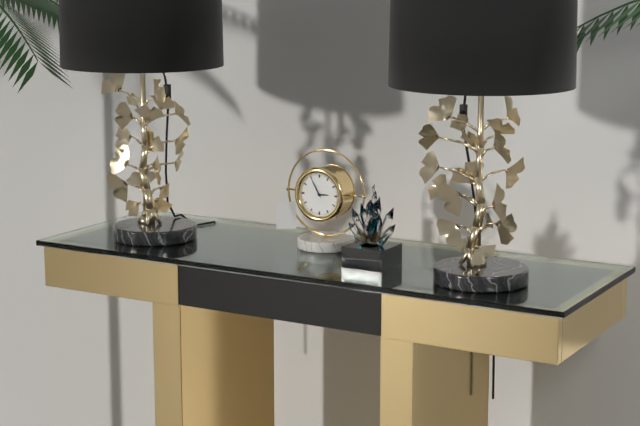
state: 2:55
